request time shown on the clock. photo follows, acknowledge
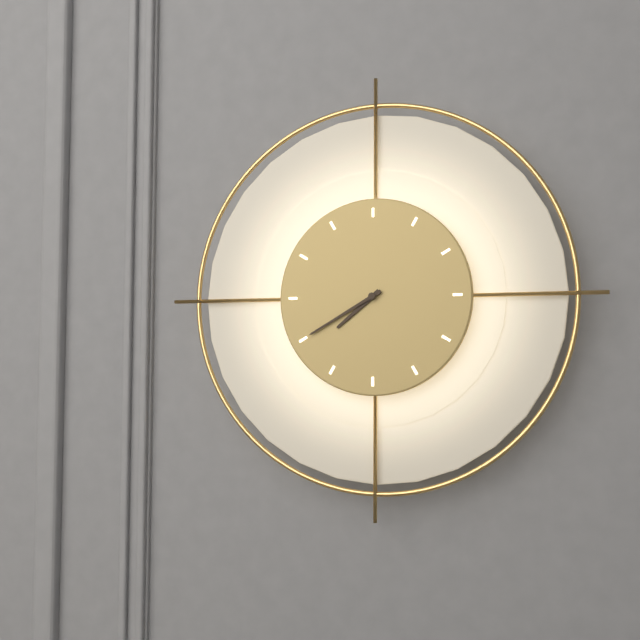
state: 7:40
